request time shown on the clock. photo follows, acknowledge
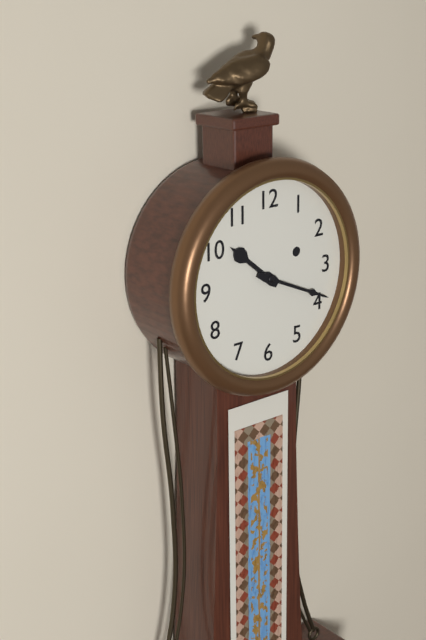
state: 10:19
